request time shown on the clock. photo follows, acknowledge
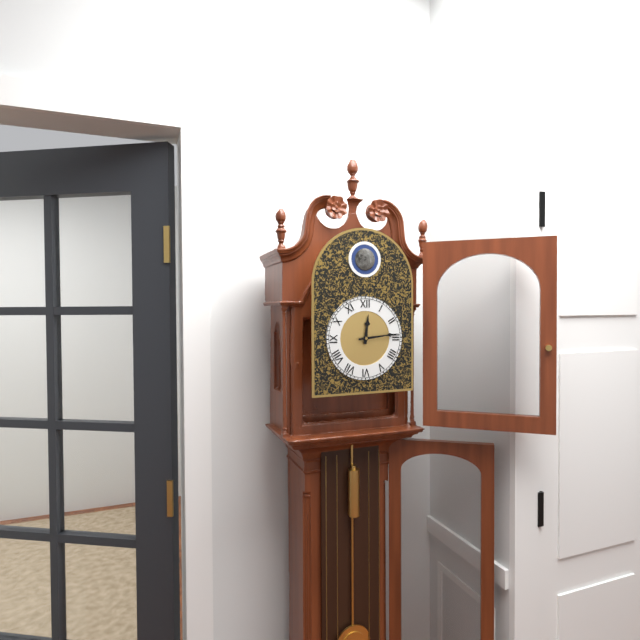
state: 12:14
